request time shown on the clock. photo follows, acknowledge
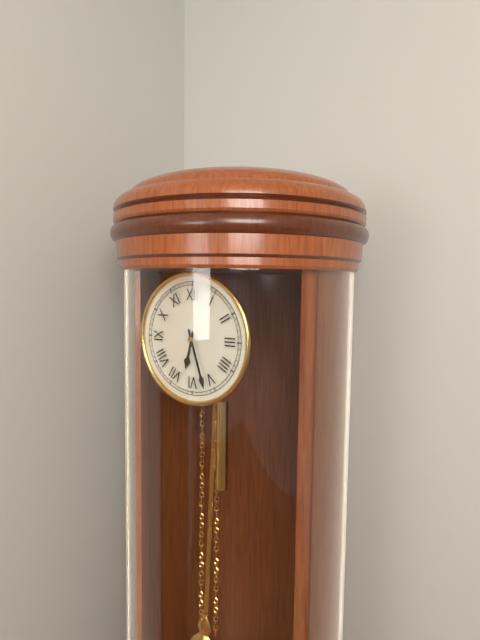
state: 6:27
